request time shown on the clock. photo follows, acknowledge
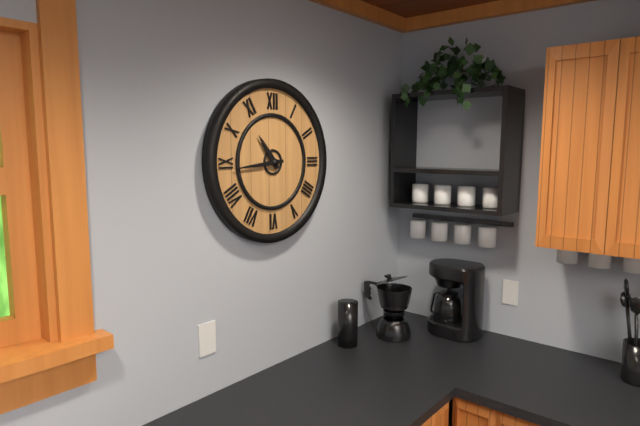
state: 10:44
